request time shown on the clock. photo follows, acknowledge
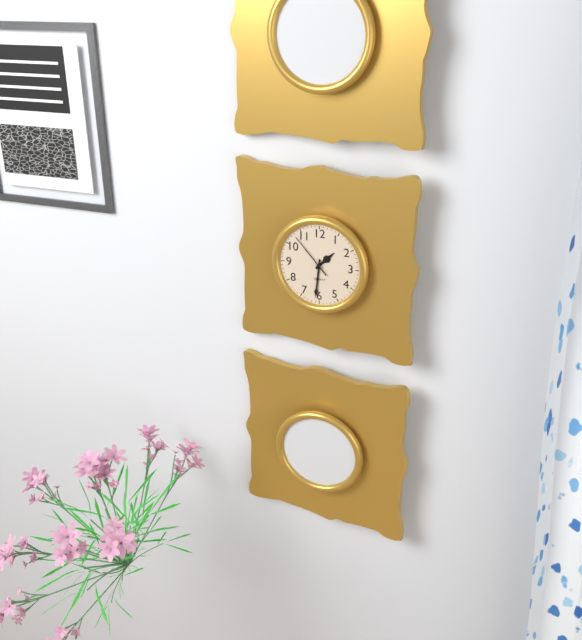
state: 1:31
